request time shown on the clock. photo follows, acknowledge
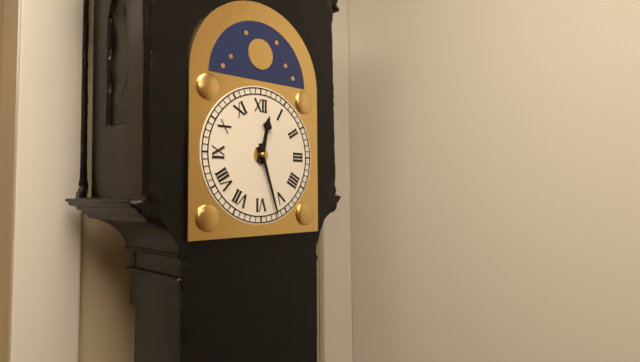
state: 12:27
